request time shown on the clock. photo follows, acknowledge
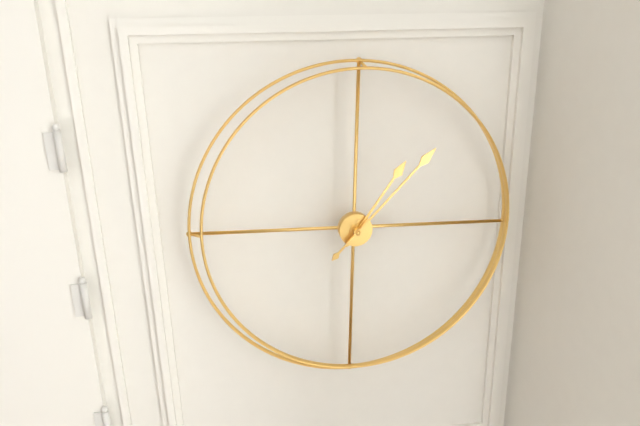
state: 1:07
